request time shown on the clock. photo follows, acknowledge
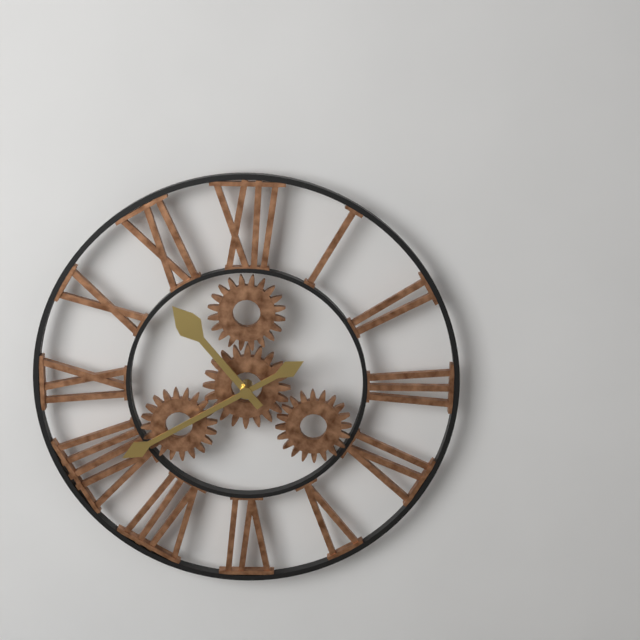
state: 10:40
